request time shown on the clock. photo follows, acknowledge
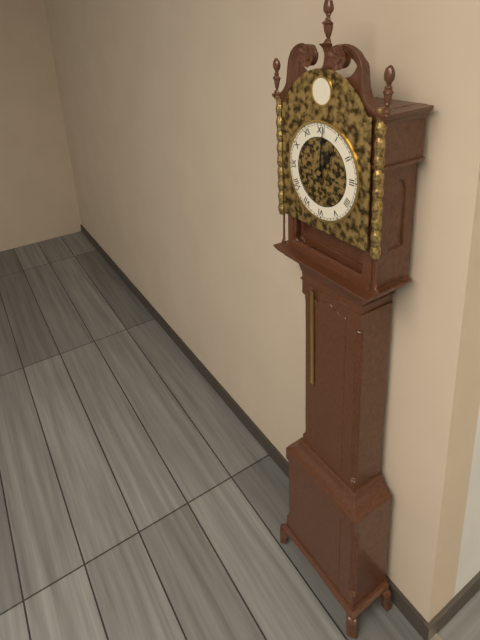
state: 1:01
